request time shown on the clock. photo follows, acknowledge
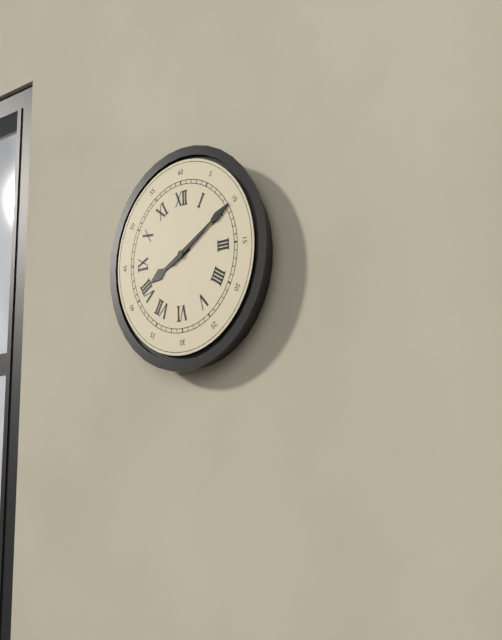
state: 8:10
